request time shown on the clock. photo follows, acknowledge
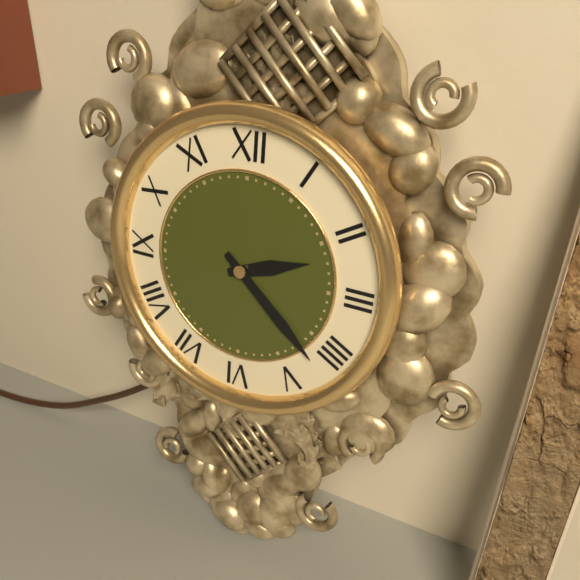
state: 2:22
